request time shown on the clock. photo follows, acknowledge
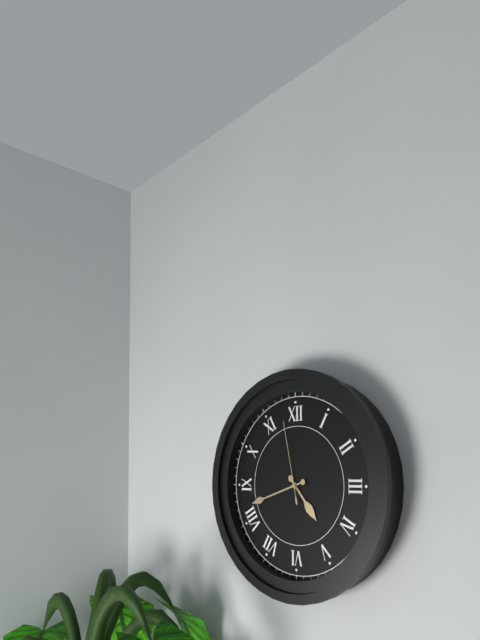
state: 4:42:58
